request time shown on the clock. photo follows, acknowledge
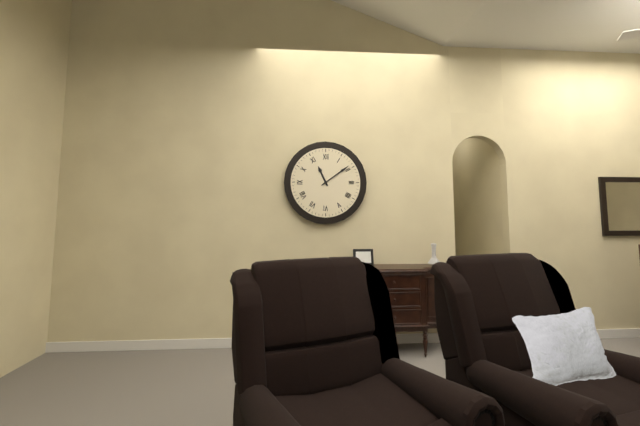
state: 11:09
